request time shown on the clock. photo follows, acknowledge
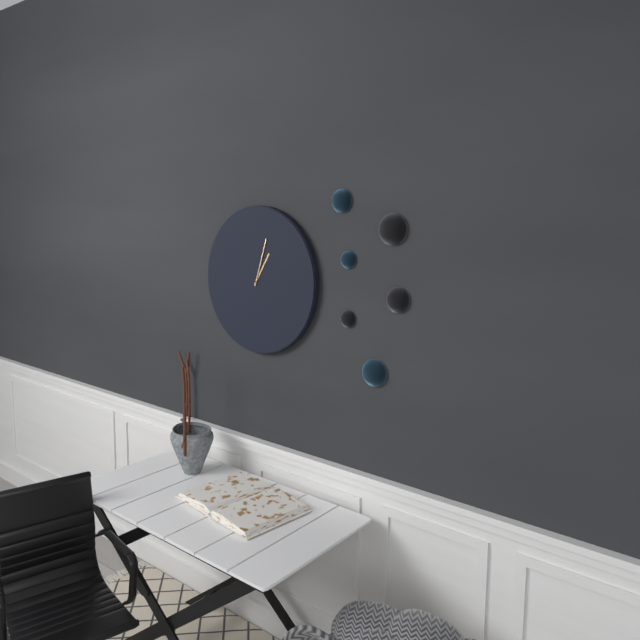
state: 1:03
